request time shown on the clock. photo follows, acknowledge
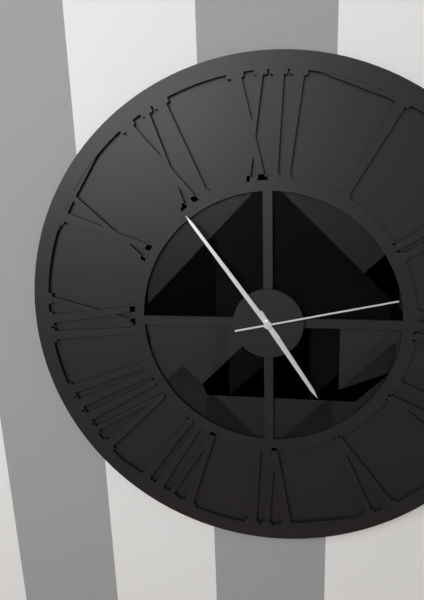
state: 4:54:13
